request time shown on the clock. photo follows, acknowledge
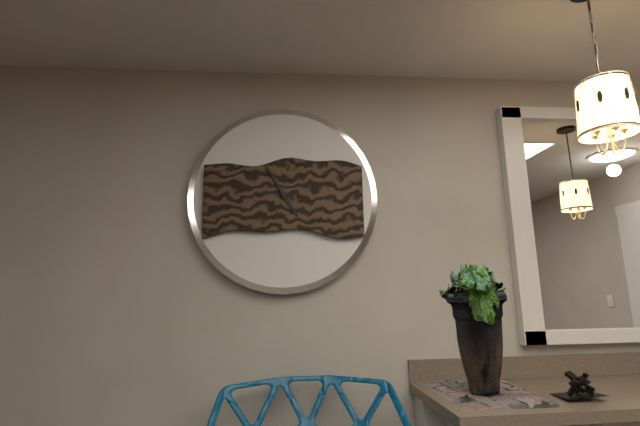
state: 4:55
